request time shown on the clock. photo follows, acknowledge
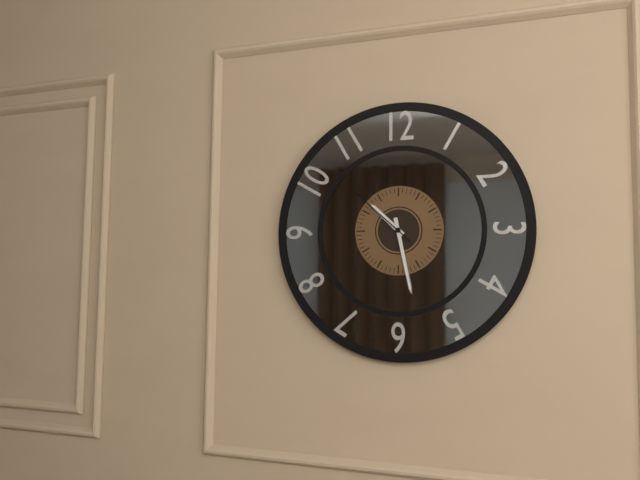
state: 10:28:52
